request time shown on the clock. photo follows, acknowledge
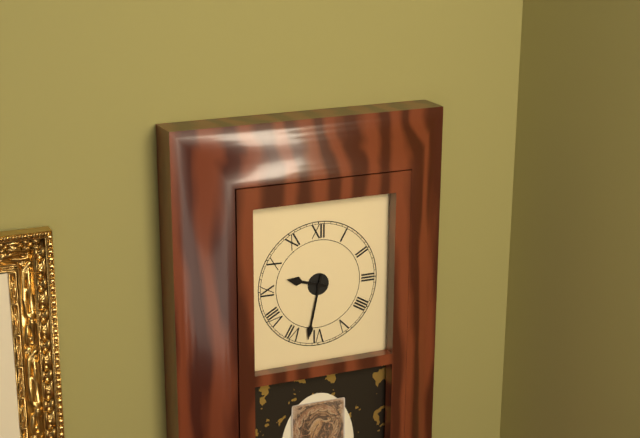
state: 9:32
